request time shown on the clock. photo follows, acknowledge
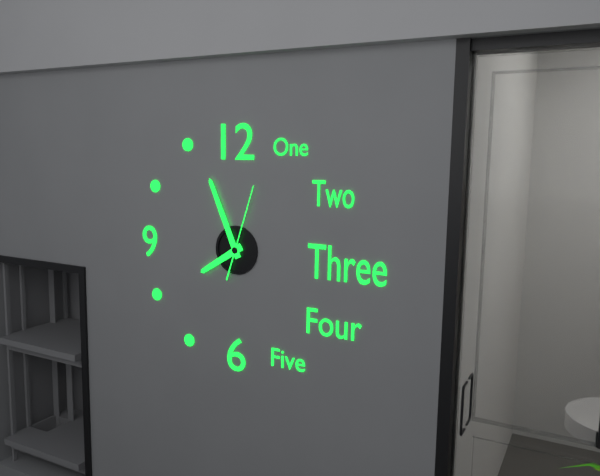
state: 7:56:03
